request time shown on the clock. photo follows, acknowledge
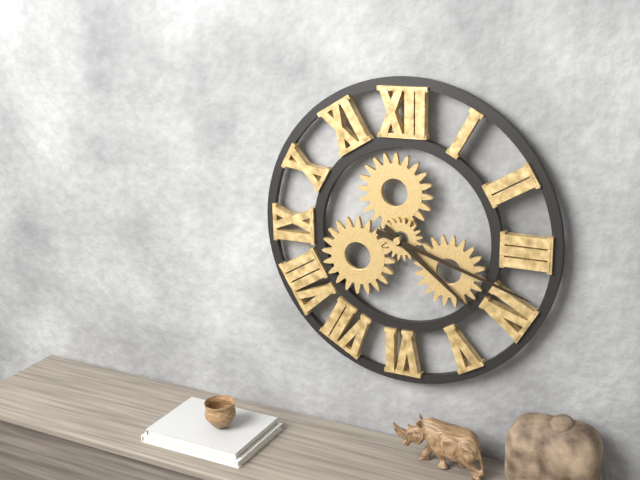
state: 4:18
